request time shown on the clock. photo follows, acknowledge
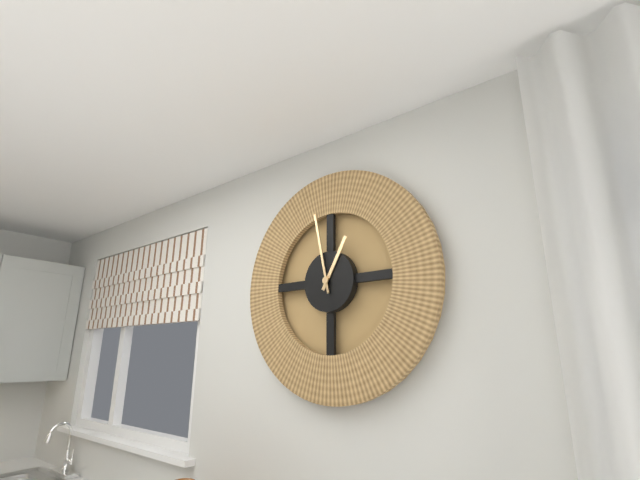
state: 12:58
